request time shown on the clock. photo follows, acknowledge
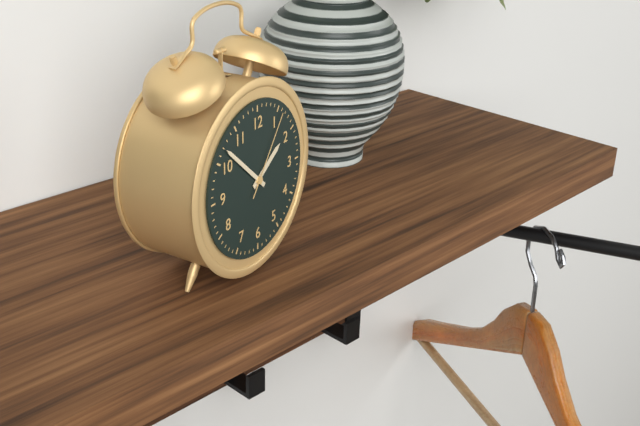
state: 1:52:06
